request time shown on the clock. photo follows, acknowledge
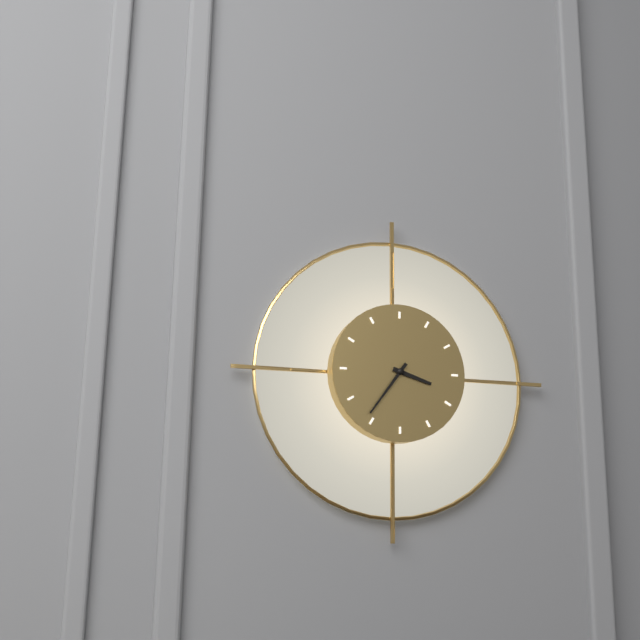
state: 3:36
